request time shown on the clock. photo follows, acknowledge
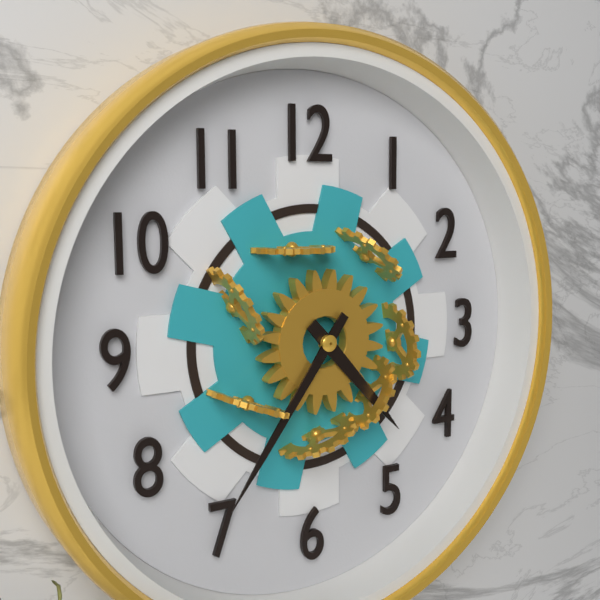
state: 4:36
